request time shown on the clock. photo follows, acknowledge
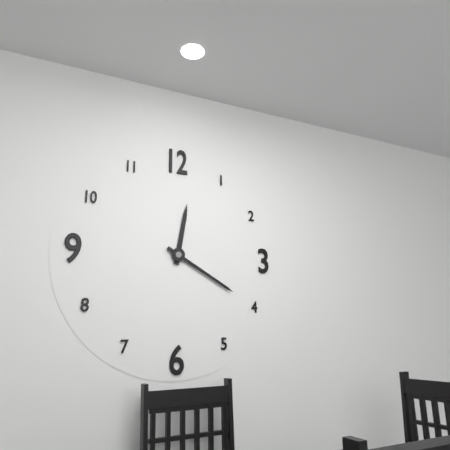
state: 12:20
